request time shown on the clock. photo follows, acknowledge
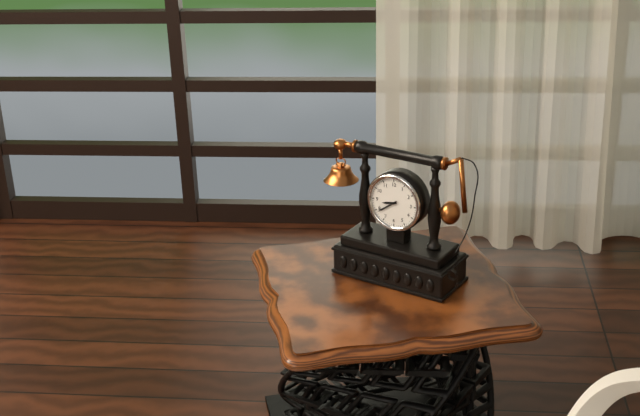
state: 8:39
